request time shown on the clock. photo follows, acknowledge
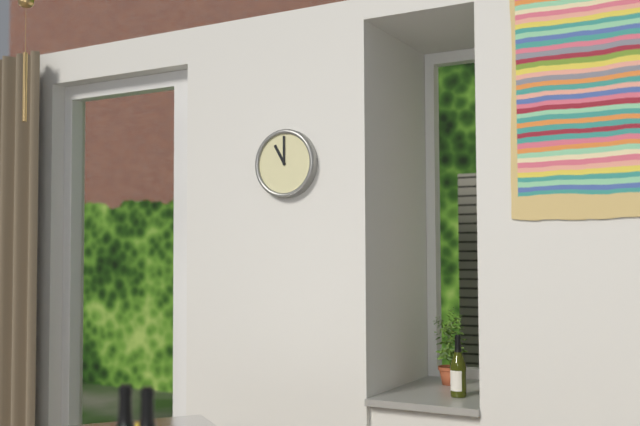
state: 11:00
